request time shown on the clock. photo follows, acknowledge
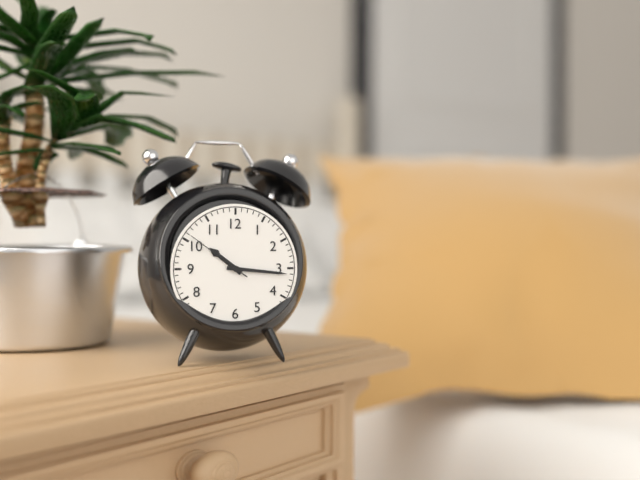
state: 10:16:51
